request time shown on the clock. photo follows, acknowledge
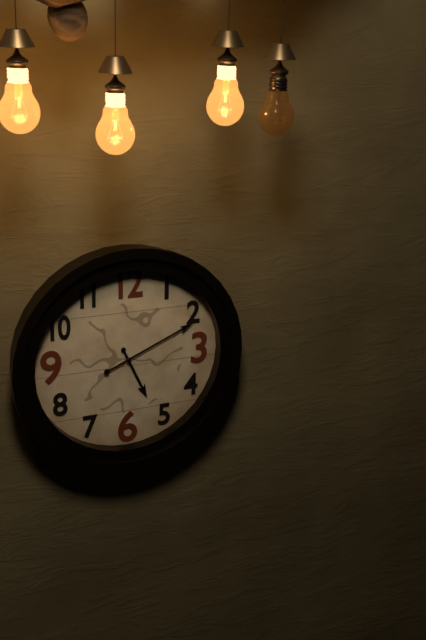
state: 5:11
